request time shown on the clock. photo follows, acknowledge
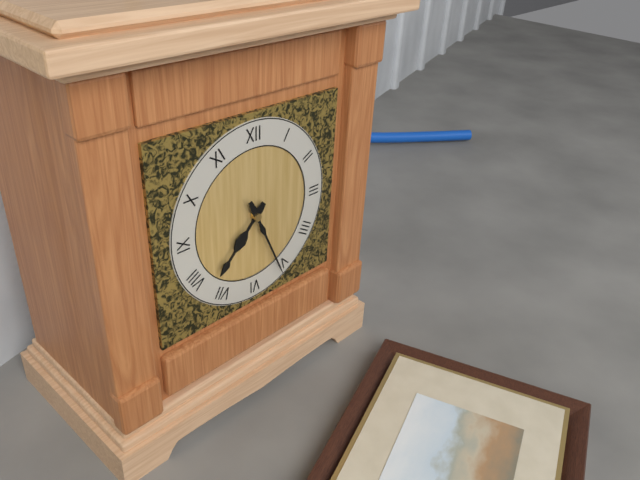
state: 7:26
